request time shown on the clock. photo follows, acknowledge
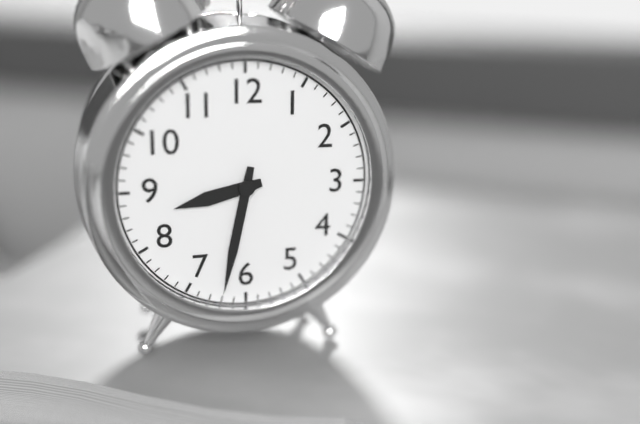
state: 8:32
